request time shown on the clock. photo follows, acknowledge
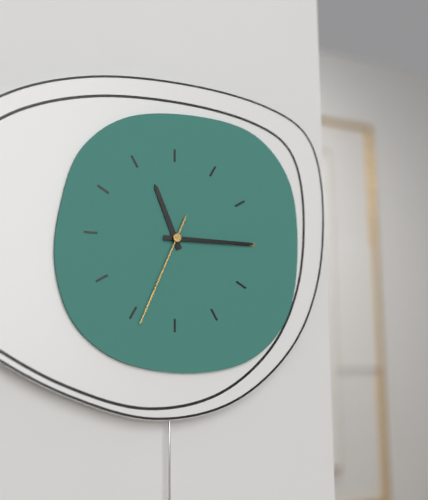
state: 11:15:34
